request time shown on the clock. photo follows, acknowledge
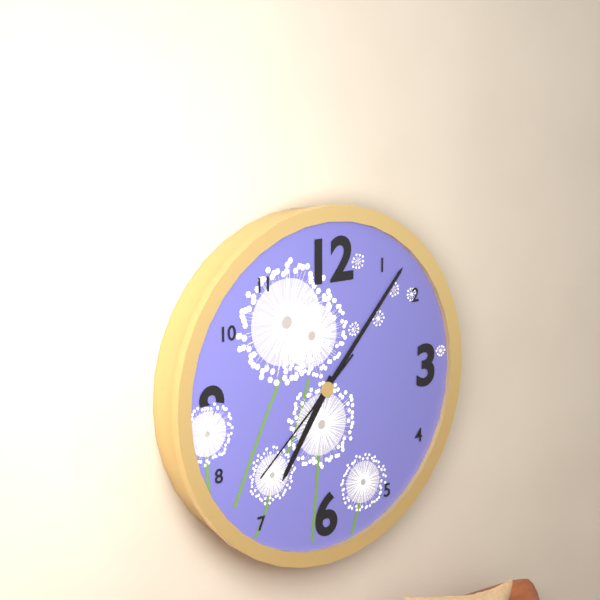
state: 7:07:38
